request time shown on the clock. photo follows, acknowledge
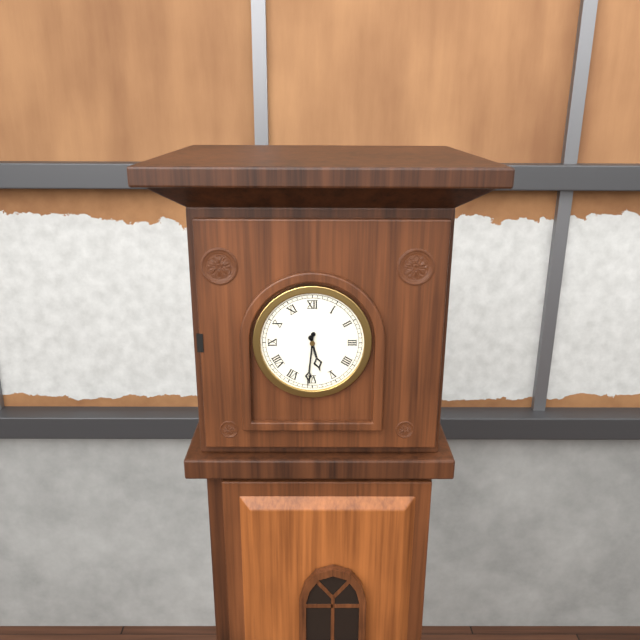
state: 5:31
